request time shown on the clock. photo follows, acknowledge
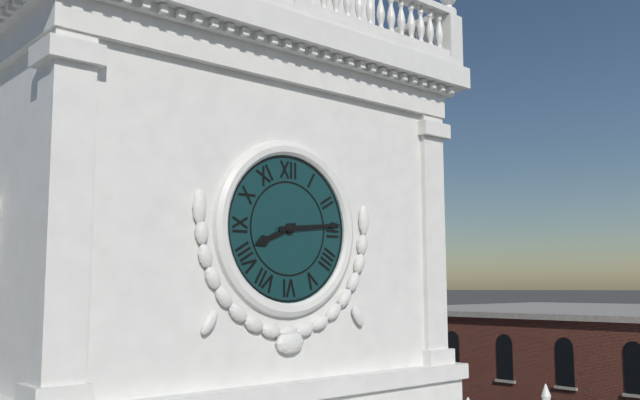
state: 8:14
